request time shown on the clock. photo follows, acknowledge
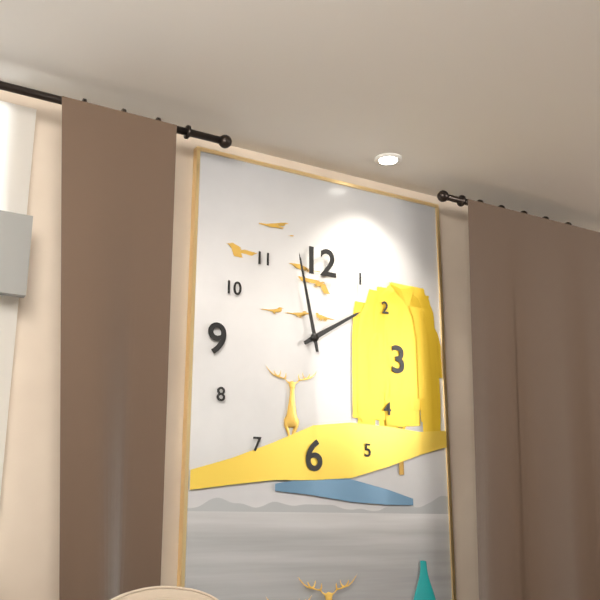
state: 1:58
